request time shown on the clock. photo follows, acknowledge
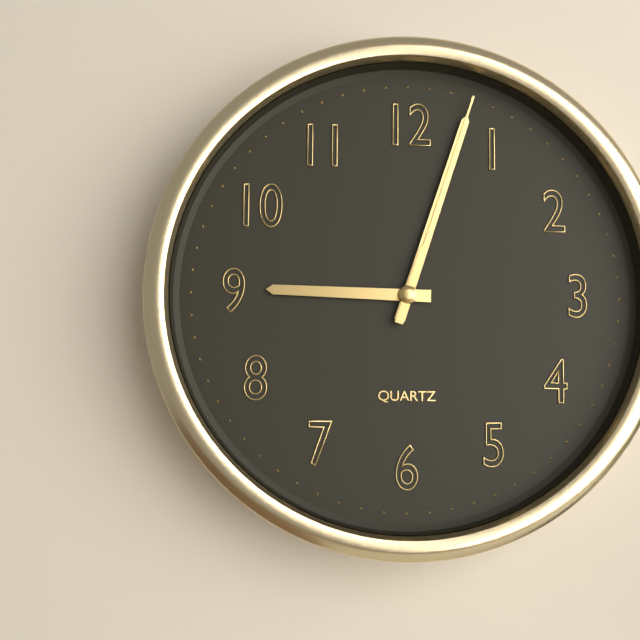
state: 9:03:03
